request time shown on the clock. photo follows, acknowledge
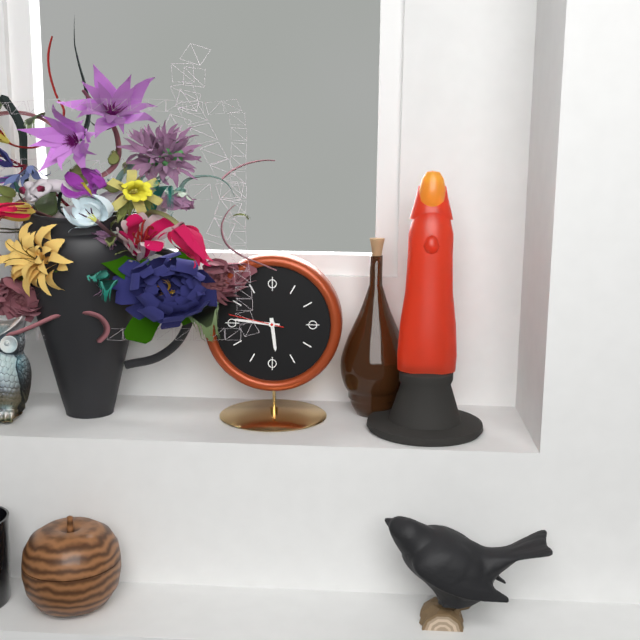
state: 5:46:47
